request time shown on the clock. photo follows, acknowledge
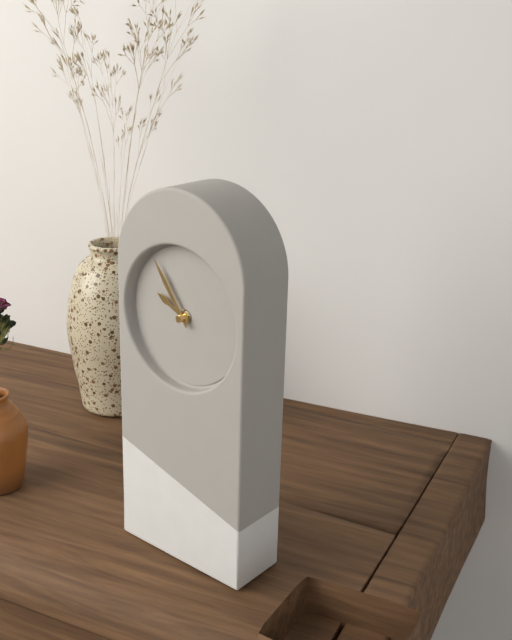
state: 9:54
